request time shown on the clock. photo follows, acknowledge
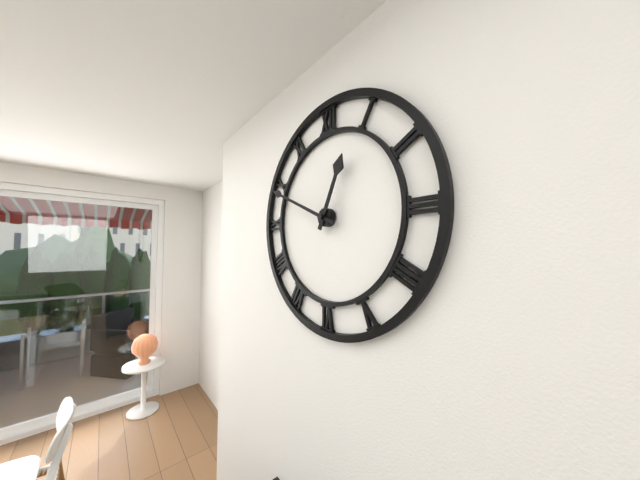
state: 12:49
